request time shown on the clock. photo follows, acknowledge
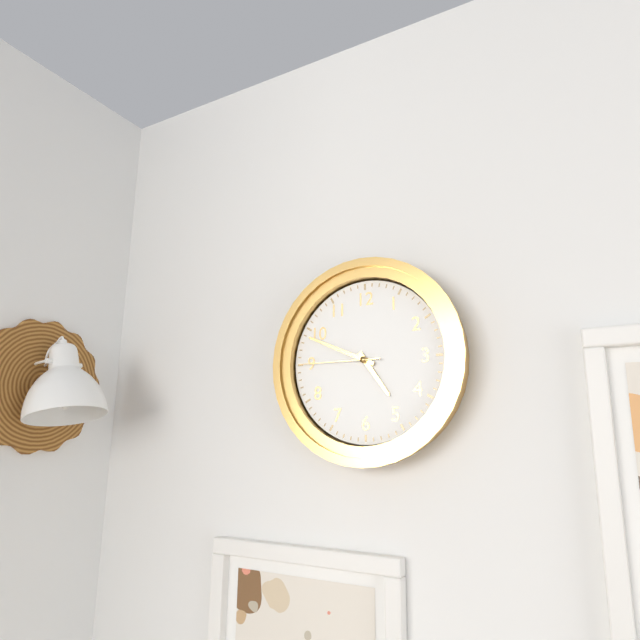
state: 4:49:45
